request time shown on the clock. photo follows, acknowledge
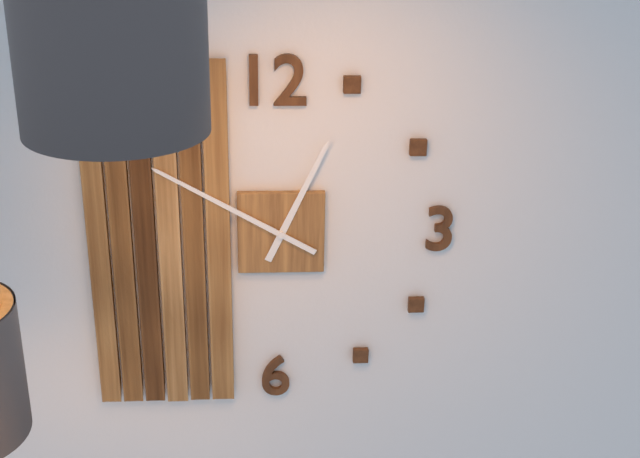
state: 12:50
